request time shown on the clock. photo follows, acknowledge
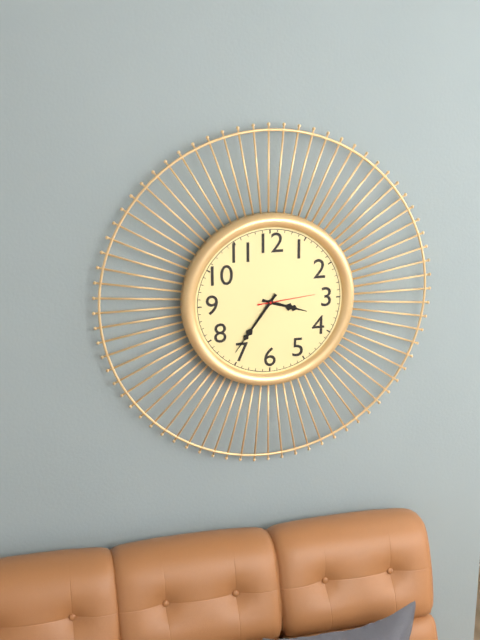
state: 3:36:14
